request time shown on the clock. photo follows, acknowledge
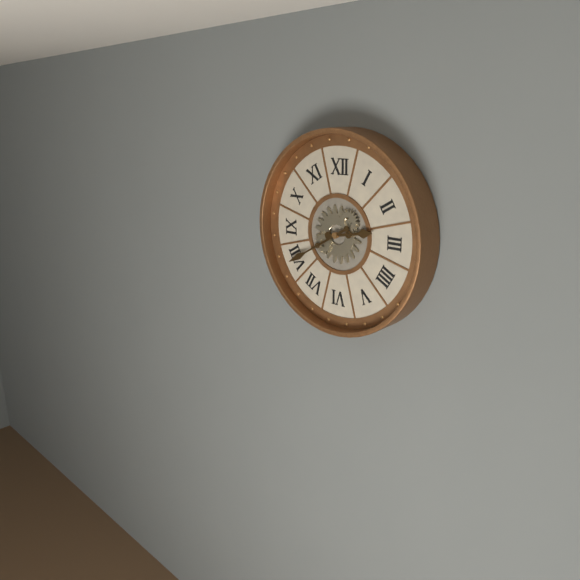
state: 2:40
